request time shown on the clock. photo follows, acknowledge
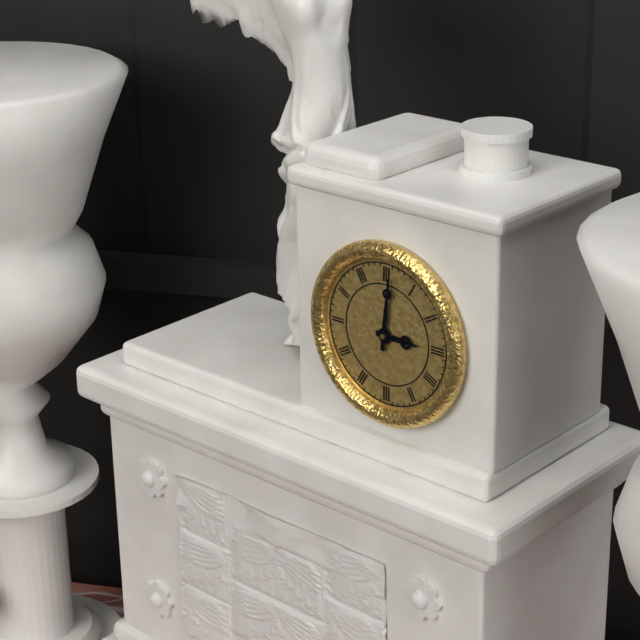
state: 3:01
